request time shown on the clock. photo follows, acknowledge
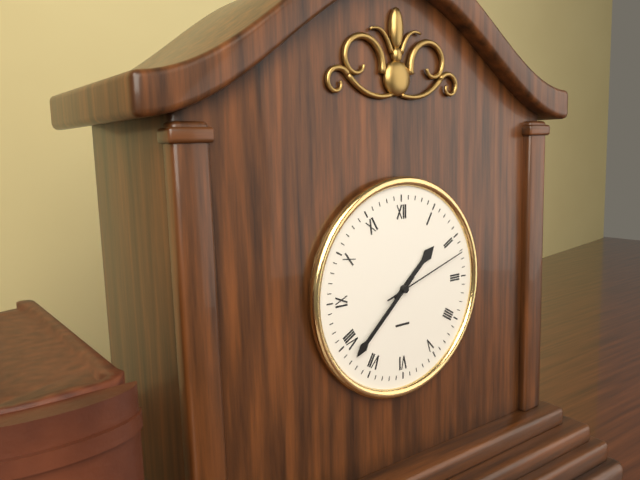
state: 1:38:12
